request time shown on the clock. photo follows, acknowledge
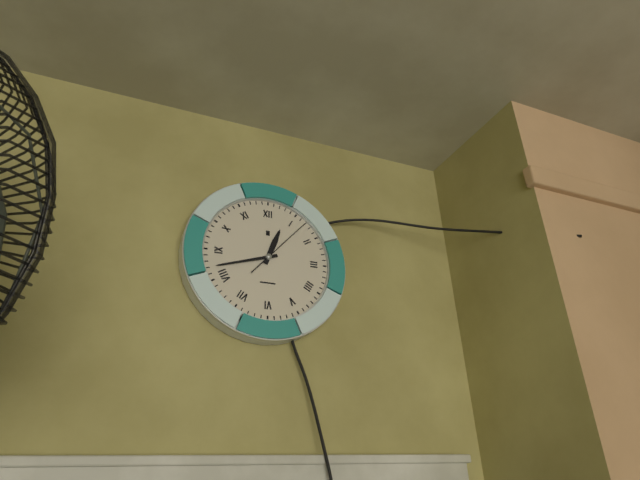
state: 12:42:07
